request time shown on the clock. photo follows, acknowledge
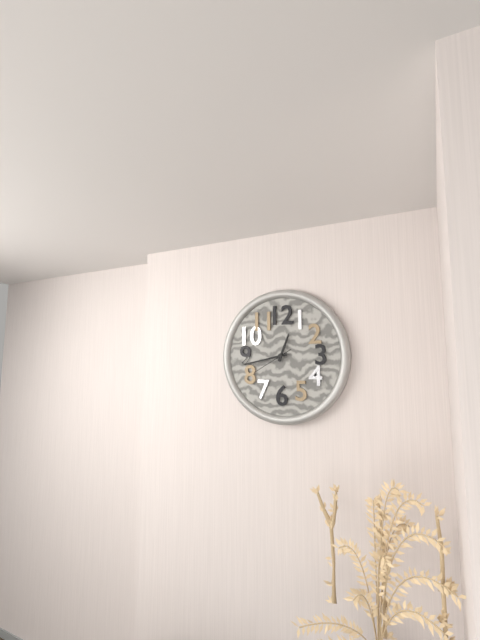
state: 12:43
